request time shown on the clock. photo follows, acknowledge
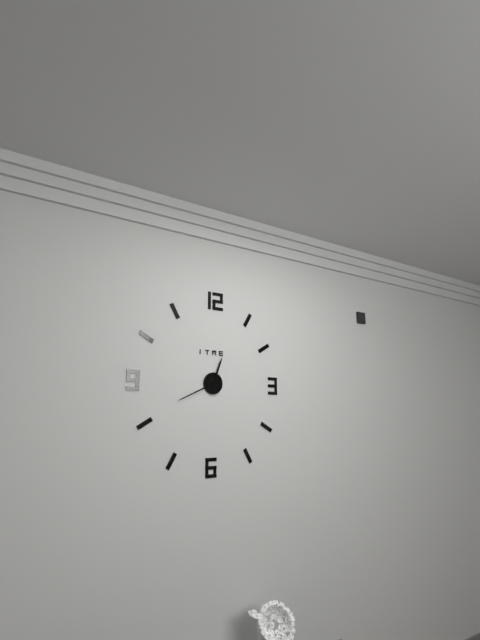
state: 12:41
